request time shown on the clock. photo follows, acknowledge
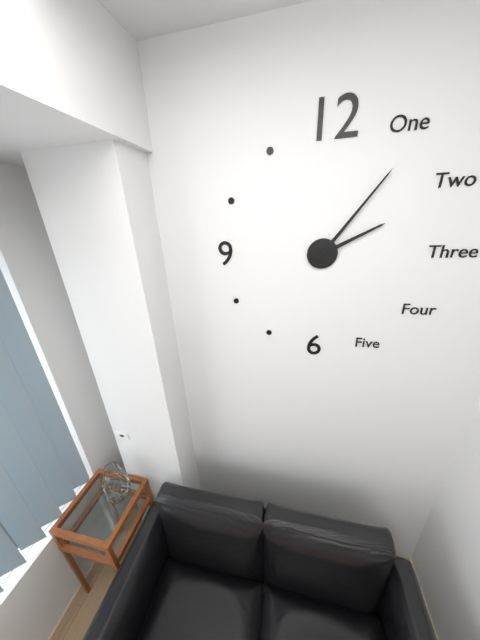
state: 2:06
